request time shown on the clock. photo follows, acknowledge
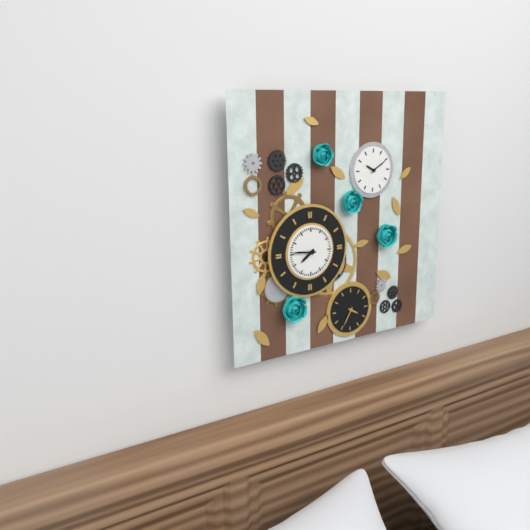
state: 7:46
